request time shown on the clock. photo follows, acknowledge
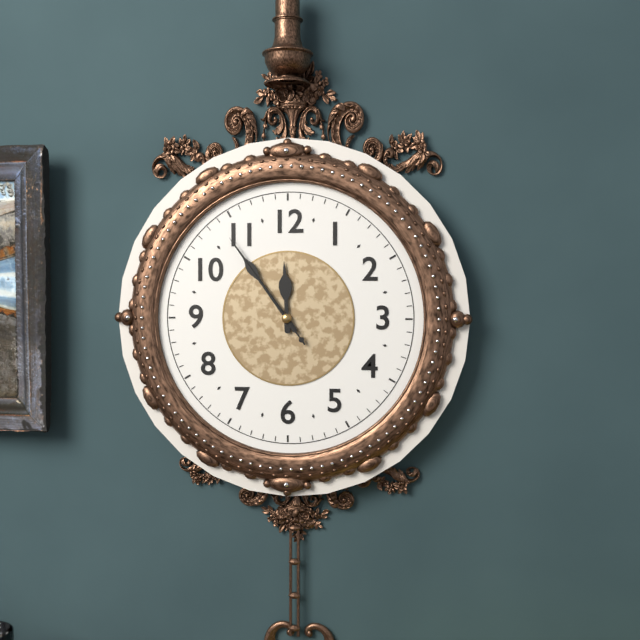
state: 11:54:54
